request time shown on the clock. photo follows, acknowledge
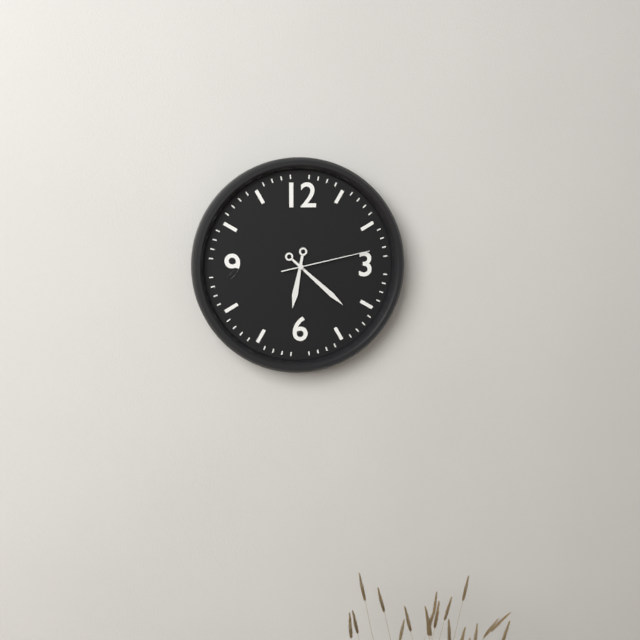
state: 6:22:13
